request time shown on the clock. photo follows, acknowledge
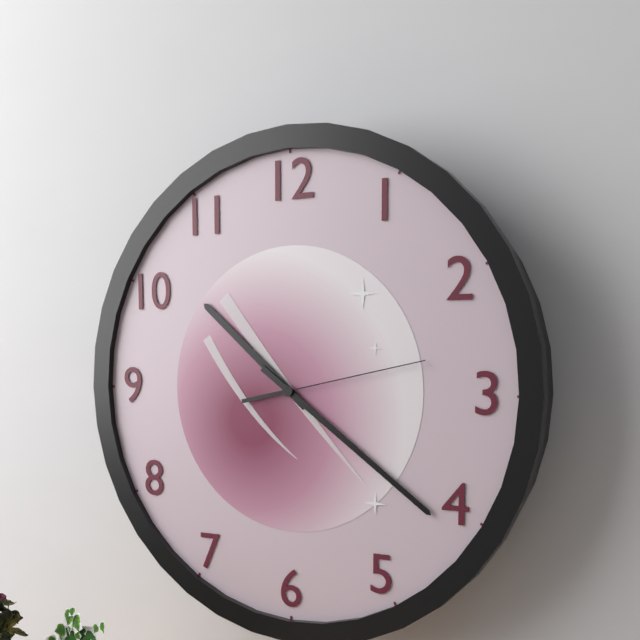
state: 10:21:13
